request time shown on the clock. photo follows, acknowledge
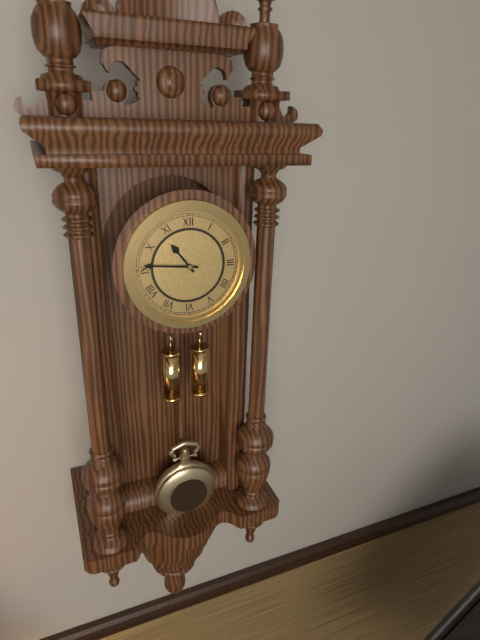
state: 10:46
